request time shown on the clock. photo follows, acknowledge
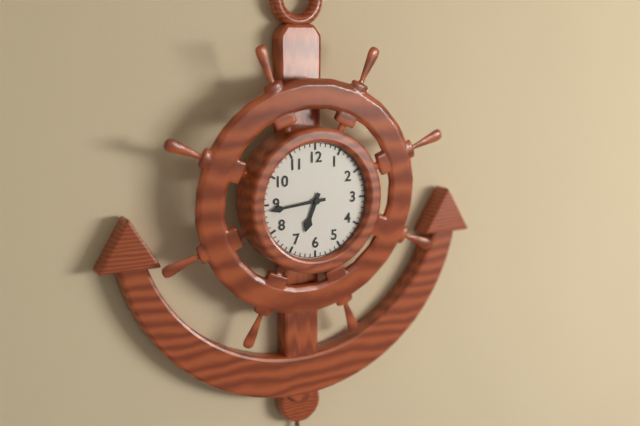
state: 6:44
